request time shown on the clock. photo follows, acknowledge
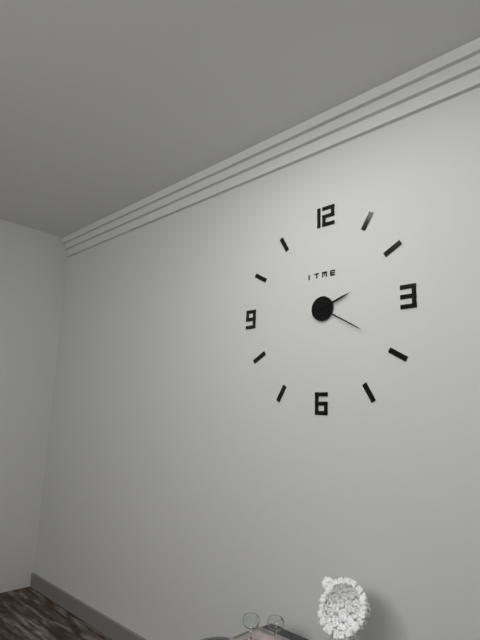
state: 2:20
